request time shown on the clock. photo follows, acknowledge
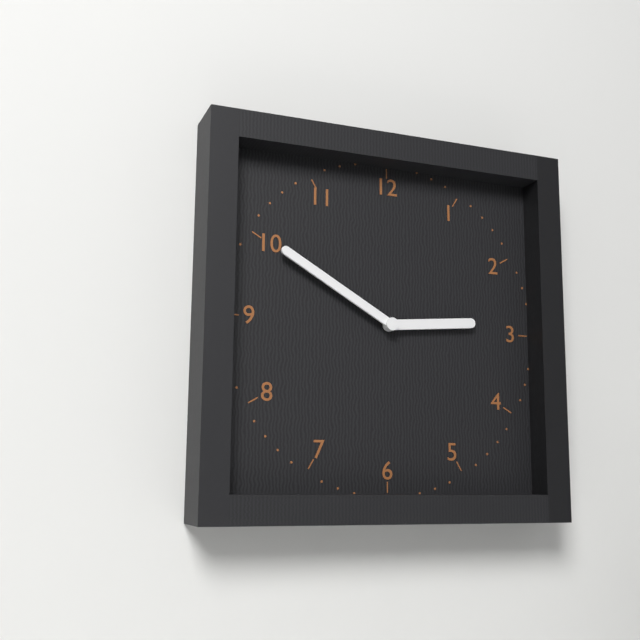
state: 2:50
